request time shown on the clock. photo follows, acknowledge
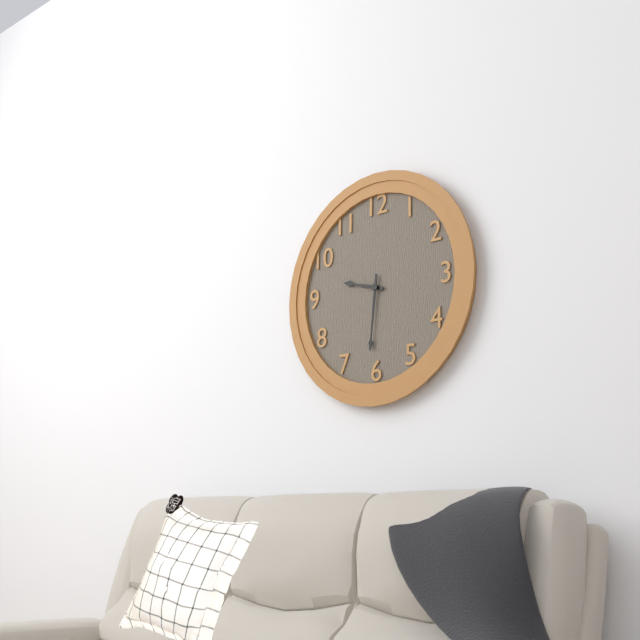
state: 9:31
